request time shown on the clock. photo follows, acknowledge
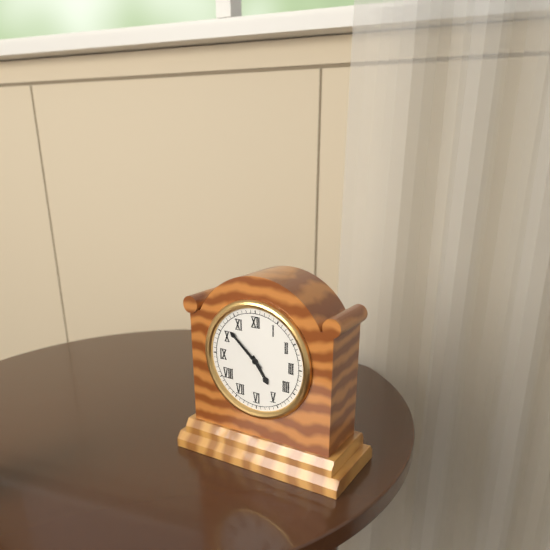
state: 4:52
